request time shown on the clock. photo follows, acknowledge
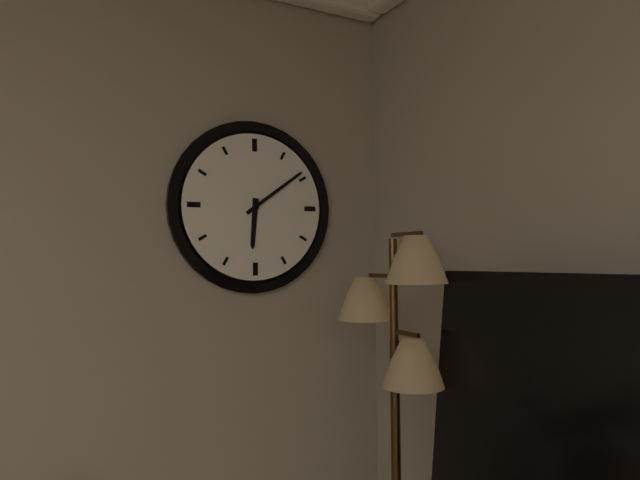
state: 6:09
